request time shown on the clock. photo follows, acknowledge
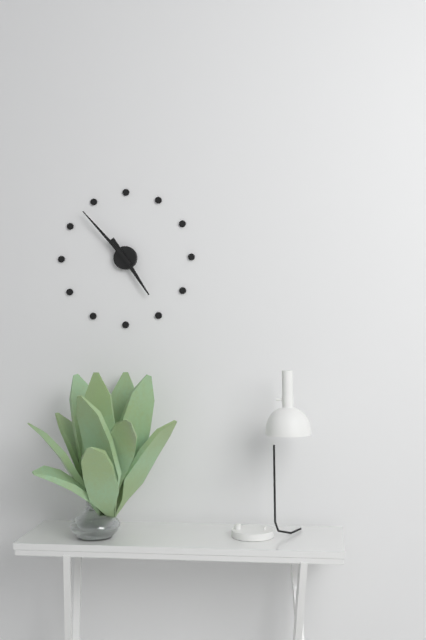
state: 4:53
